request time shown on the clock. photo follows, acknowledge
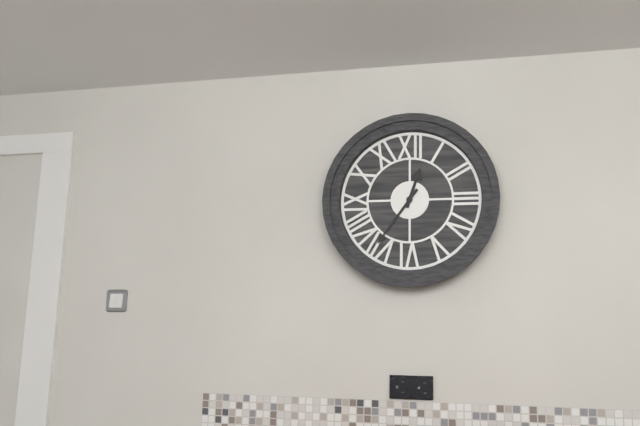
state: 12:36
